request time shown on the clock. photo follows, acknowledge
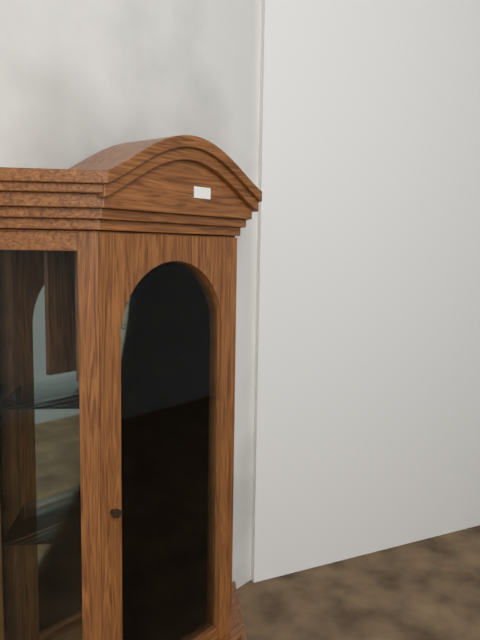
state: 4:53
